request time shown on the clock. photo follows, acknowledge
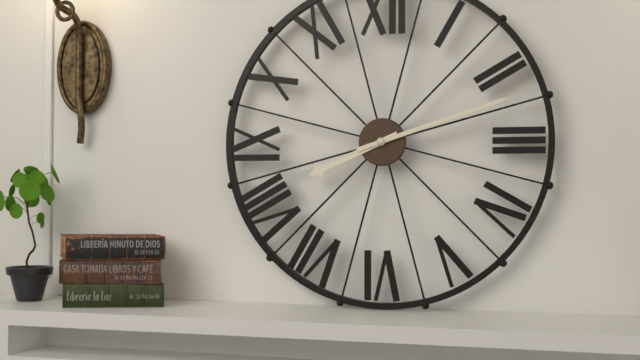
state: 8:12
